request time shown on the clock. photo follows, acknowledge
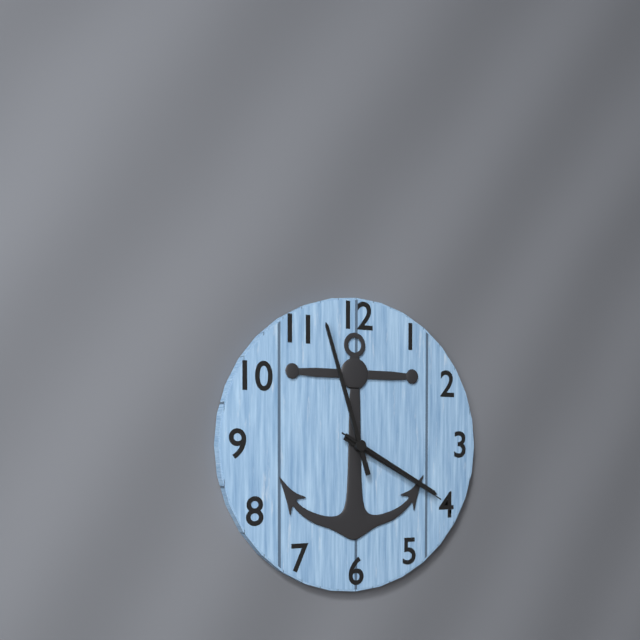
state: 3:57:20
